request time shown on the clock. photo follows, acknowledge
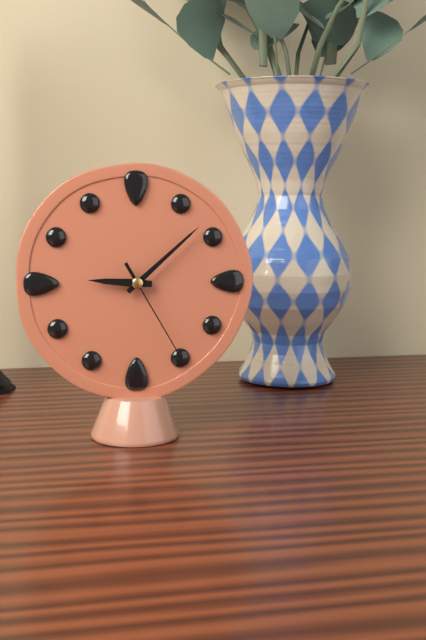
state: 9:08:25
